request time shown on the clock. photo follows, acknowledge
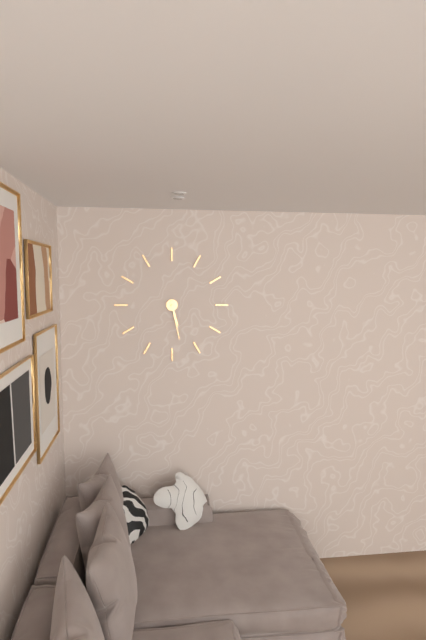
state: 5:28
